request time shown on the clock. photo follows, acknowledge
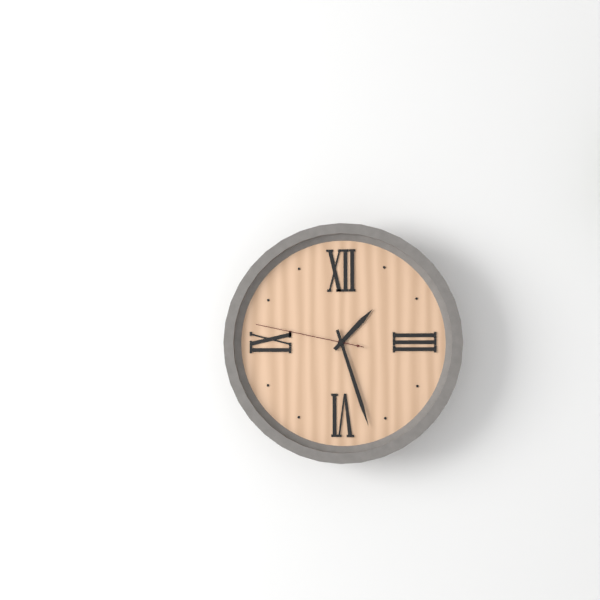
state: 1:27:47
